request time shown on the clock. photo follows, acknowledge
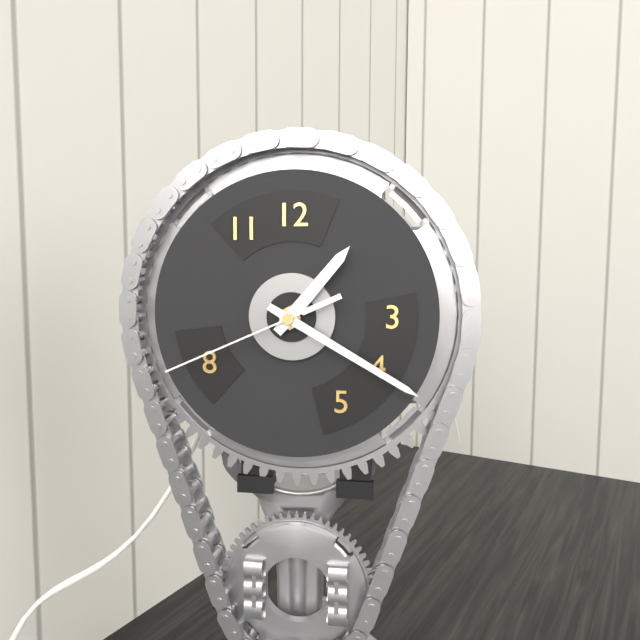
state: 1:20:41
